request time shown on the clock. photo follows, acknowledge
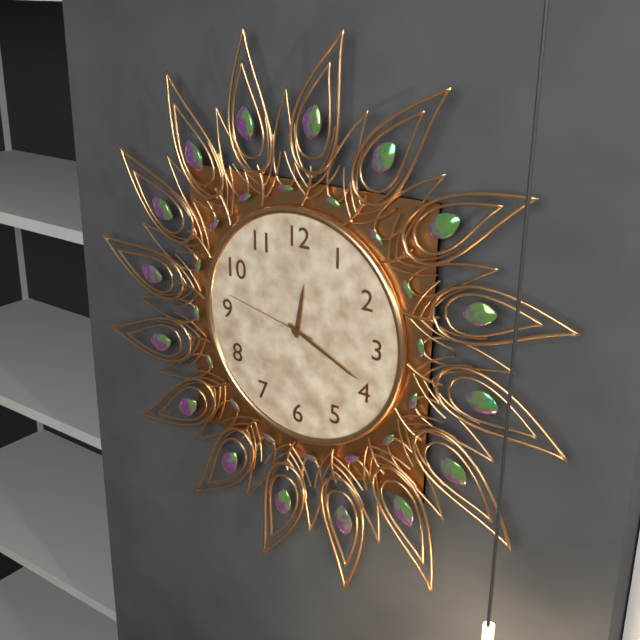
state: 12:19:47
